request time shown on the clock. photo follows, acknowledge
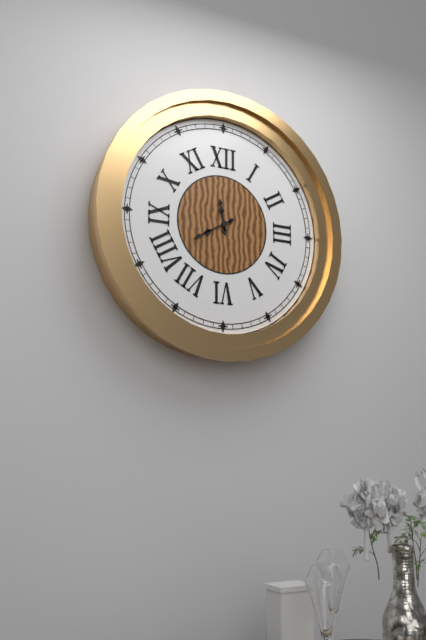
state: 11:40
